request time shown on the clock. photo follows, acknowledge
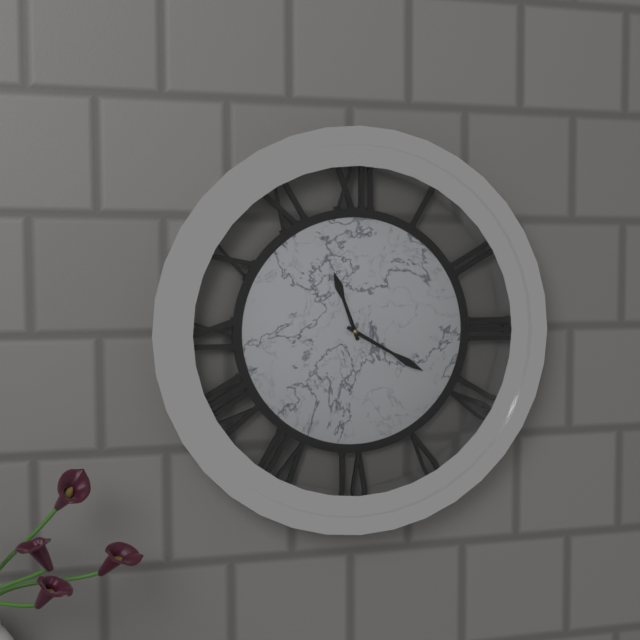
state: 11:20
